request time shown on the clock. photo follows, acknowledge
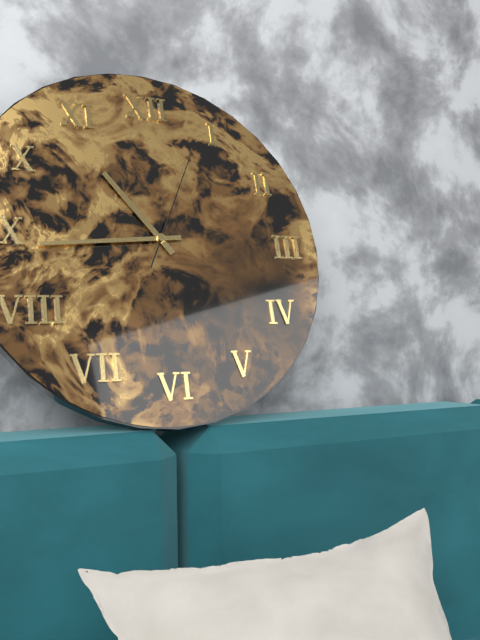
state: 10:44:04
